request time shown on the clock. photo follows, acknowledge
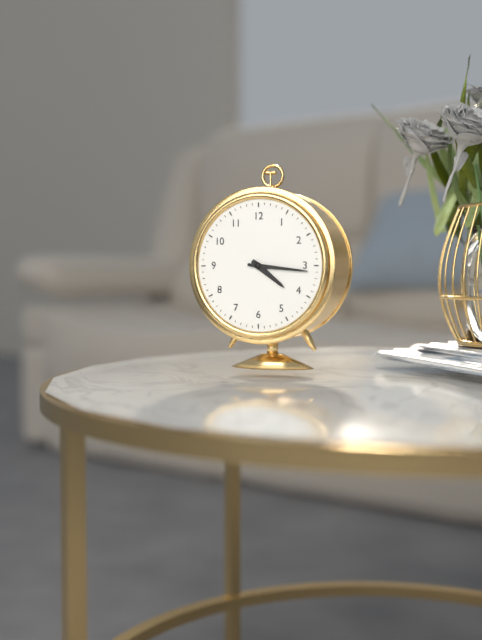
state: 4:16
